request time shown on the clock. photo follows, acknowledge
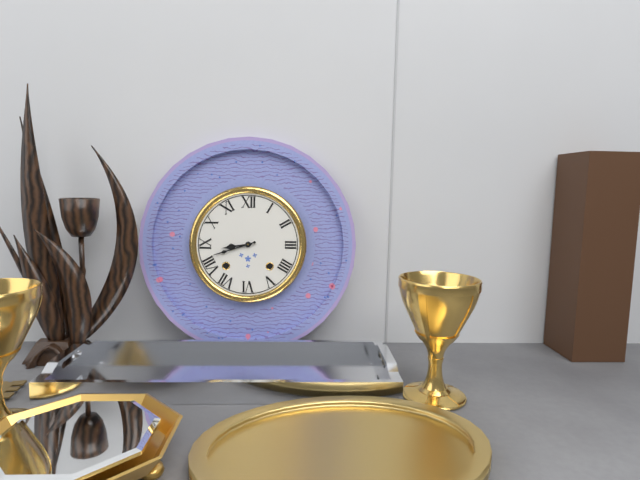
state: 8:42
